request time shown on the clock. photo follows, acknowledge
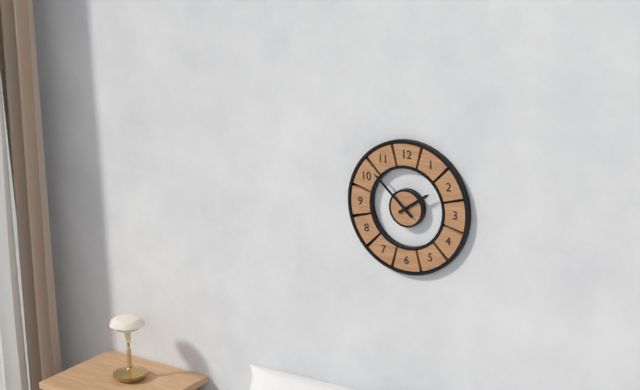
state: 1:52
